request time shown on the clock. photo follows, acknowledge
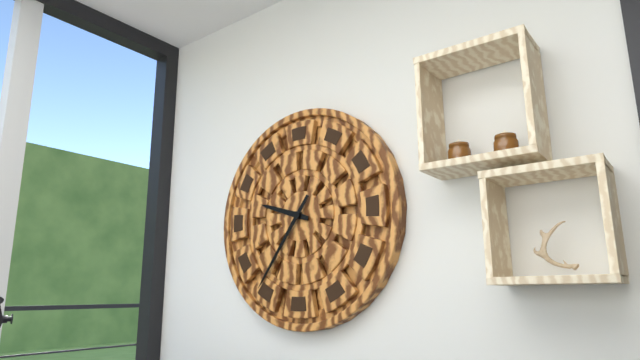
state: 9:36
